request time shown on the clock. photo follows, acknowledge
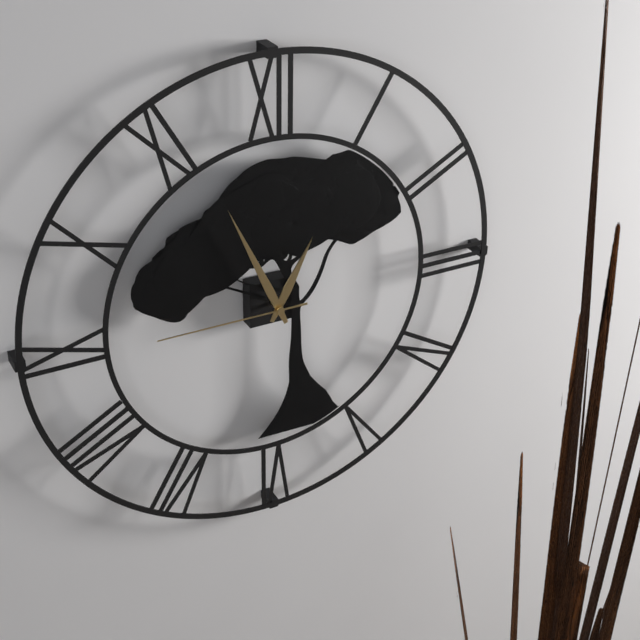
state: 12:56:45
